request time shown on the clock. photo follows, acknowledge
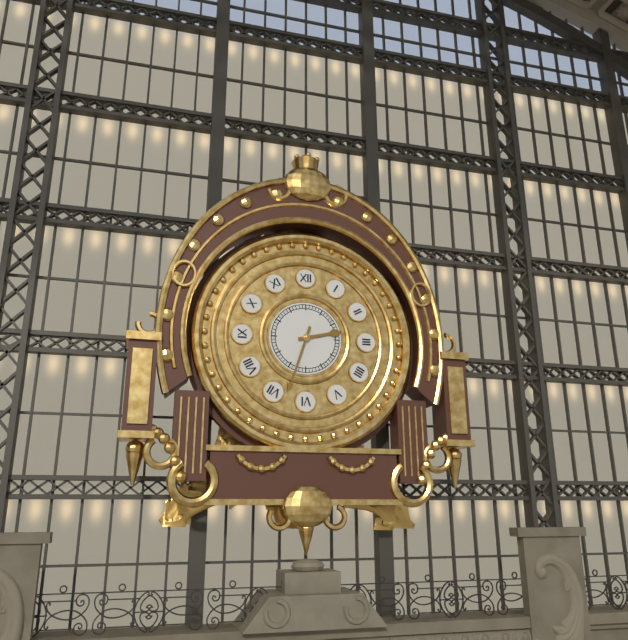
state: 2:33
